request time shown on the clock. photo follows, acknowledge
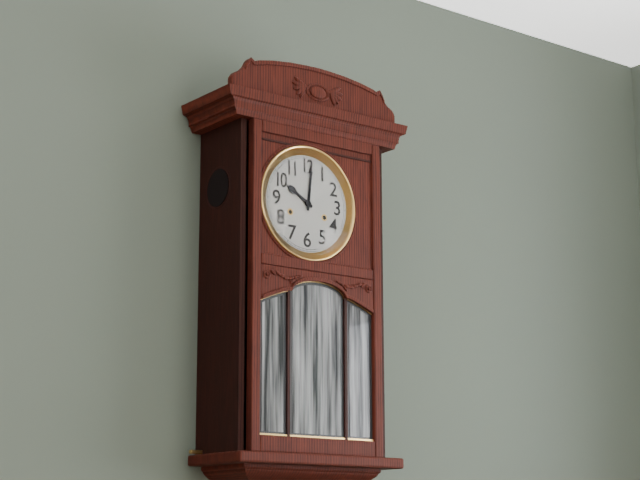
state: 10:01
